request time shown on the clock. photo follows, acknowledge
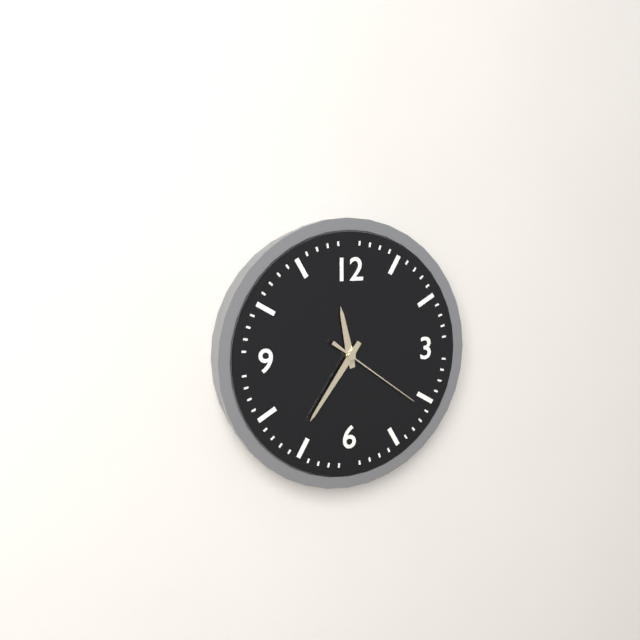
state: 11:36:21
